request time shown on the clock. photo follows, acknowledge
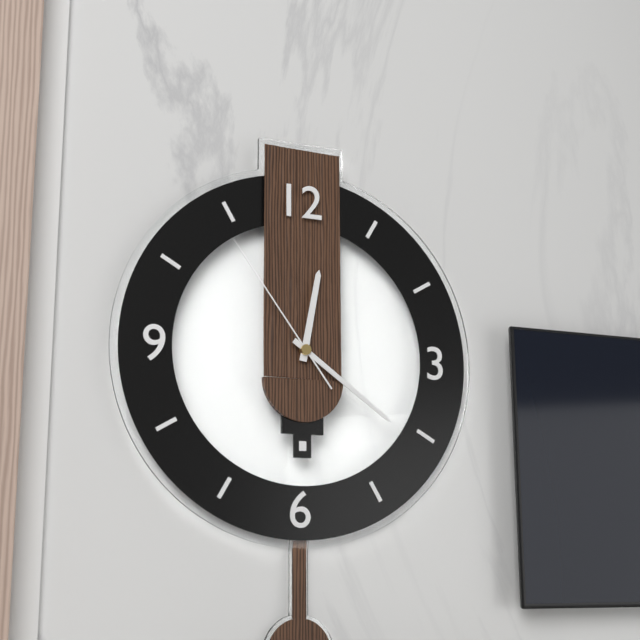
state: 12:21:54
